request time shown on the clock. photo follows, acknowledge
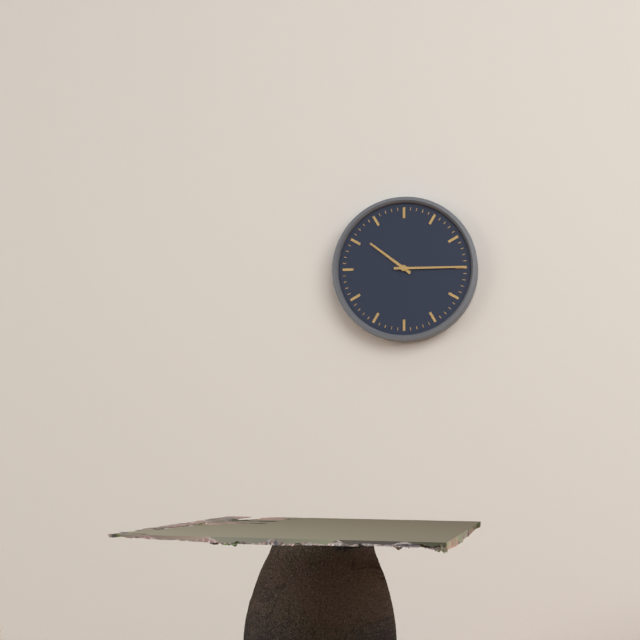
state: 10:15
